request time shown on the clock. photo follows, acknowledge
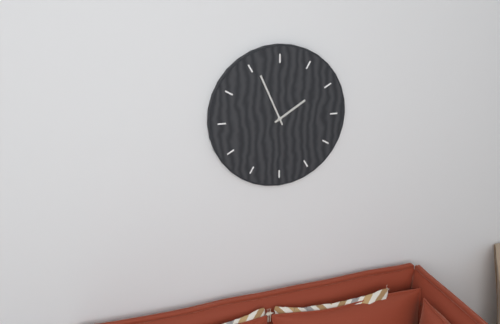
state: 1:56
